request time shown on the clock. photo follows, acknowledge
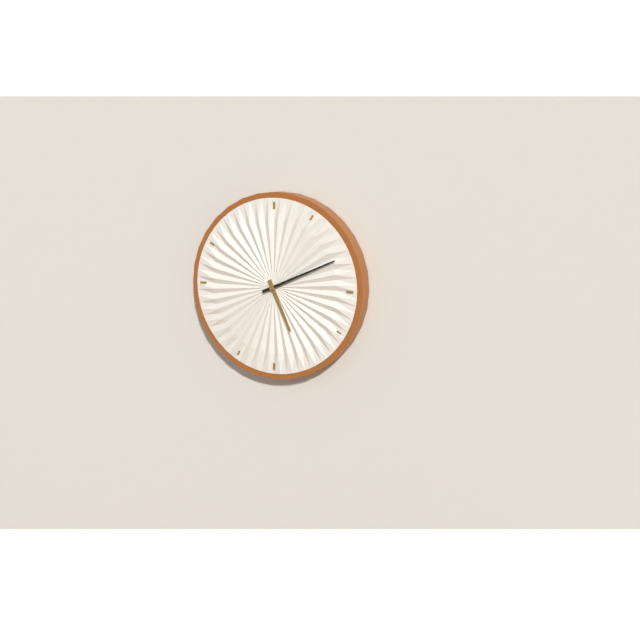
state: 5:11
